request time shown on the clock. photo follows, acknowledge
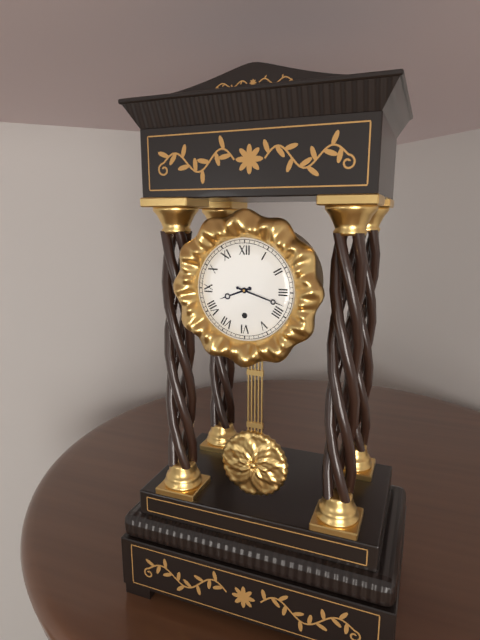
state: 8:18
